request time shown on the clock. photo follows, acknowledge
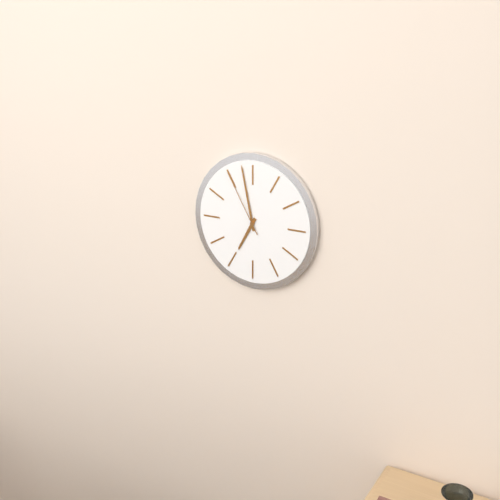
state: 6:58:55
